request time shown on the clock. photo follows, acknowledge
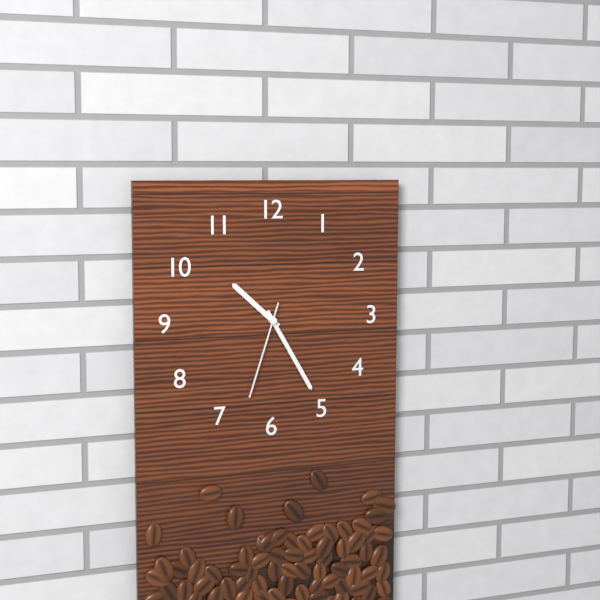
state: 10:25:33
